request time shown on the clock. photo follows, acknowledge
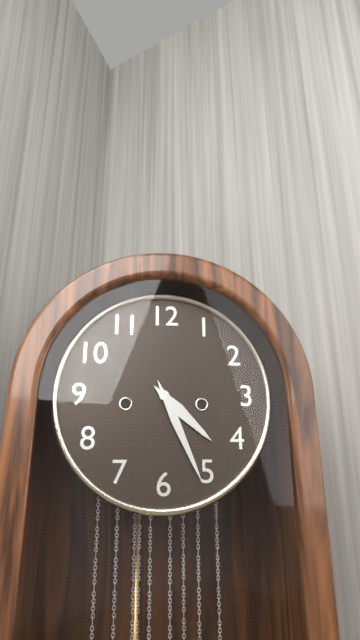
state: 4:26
